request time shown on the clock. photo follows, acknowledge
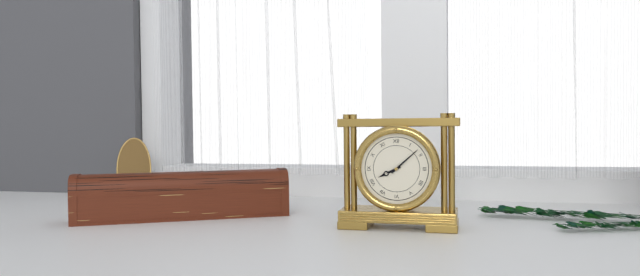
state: 8:08
